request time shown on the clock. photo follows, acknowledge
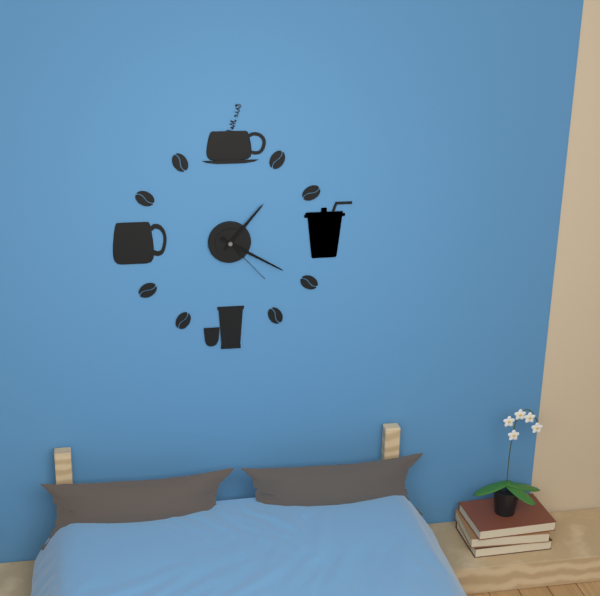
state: 1:20:23
